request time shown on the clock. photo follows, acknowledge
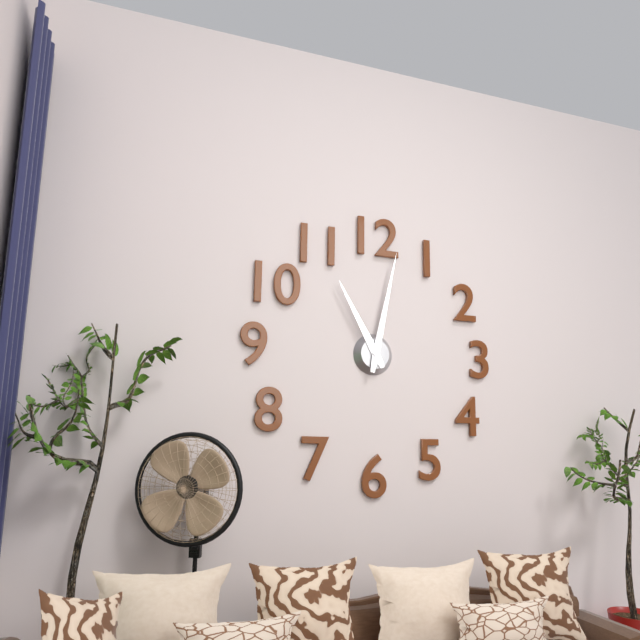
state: 11:02
